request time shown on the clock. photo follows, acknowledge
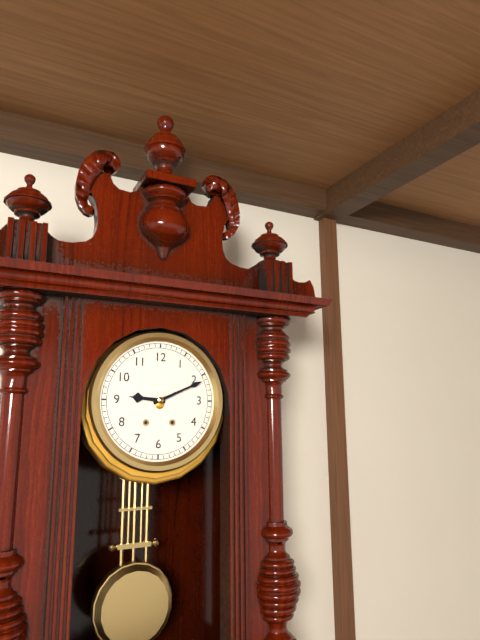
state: 9:11
